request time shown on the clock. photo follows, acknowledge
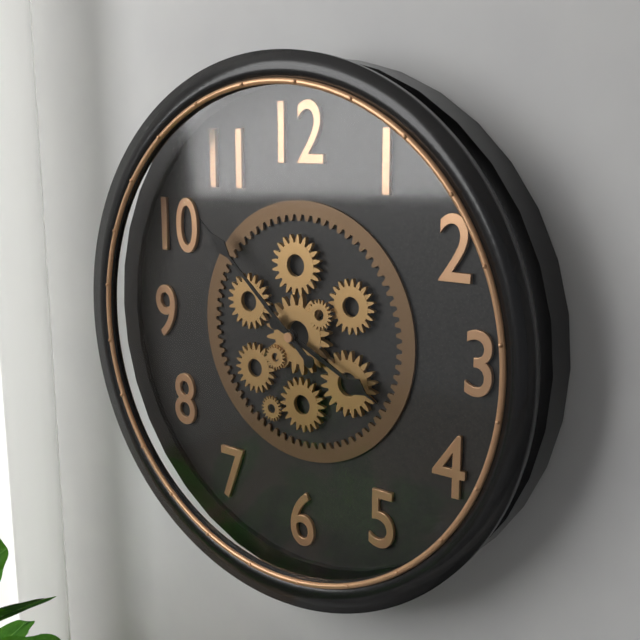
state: 3:52
